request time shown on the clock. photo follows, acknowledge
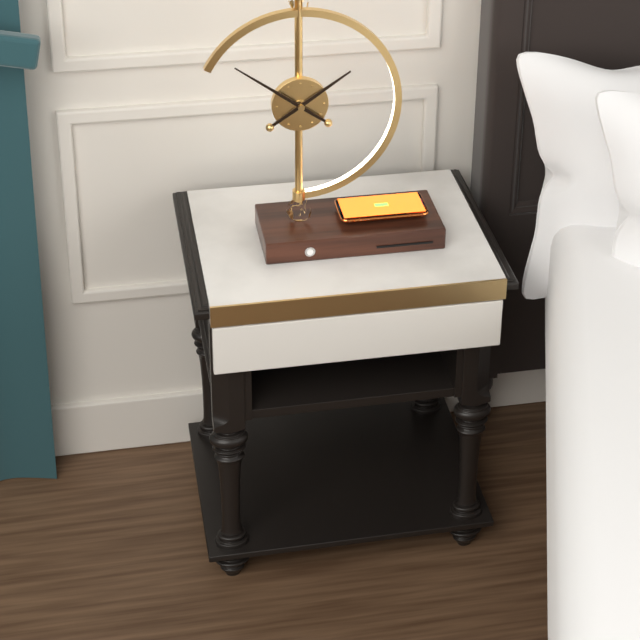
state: 1:51
